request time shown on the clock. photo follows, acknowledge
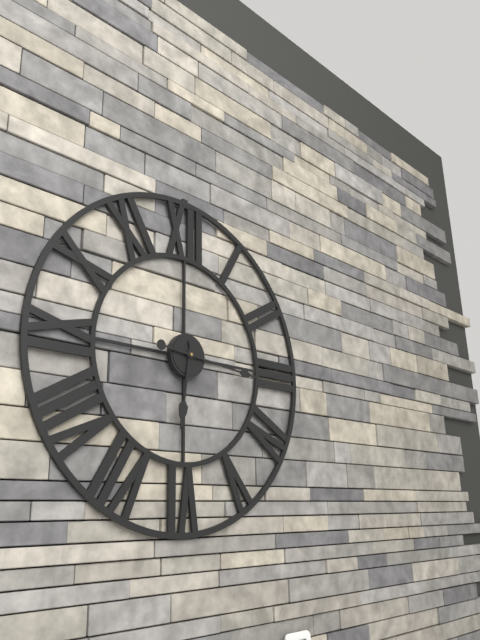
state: 6:16
